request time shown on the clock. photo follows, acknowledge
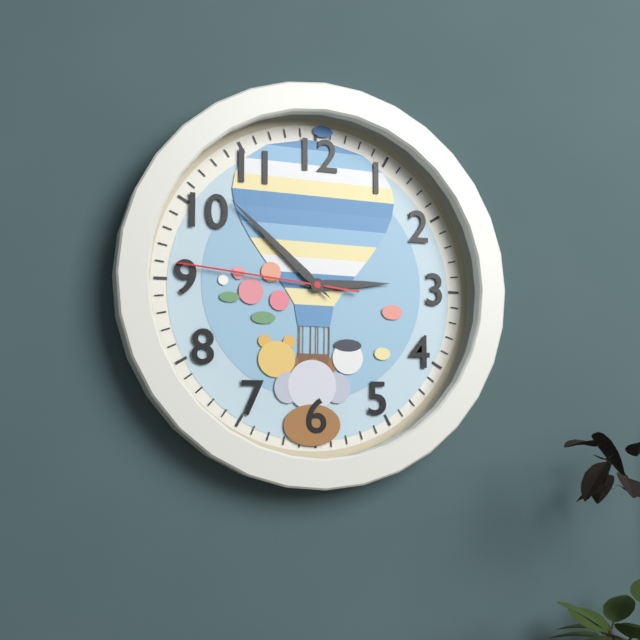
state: 2:52:46
